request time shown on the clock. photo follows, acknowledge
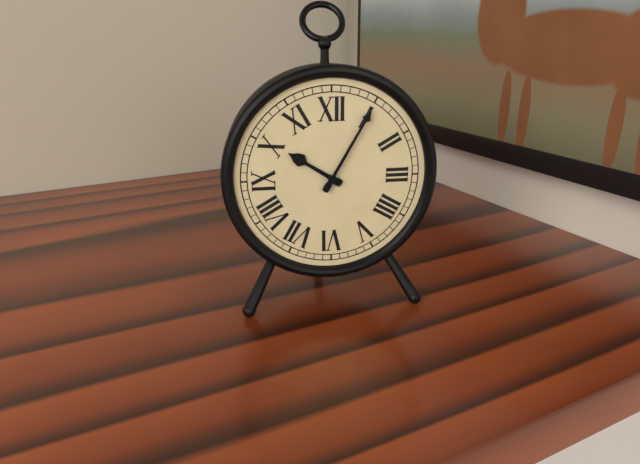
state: 10:05
